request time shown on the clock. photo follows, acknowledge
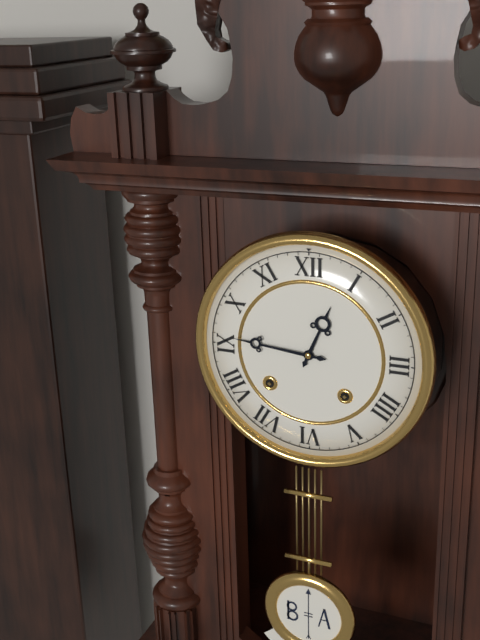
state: 12:46
